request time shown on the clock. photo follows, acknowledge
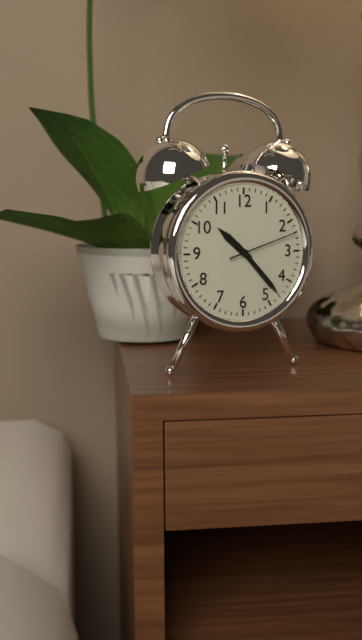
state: 10:23:12
